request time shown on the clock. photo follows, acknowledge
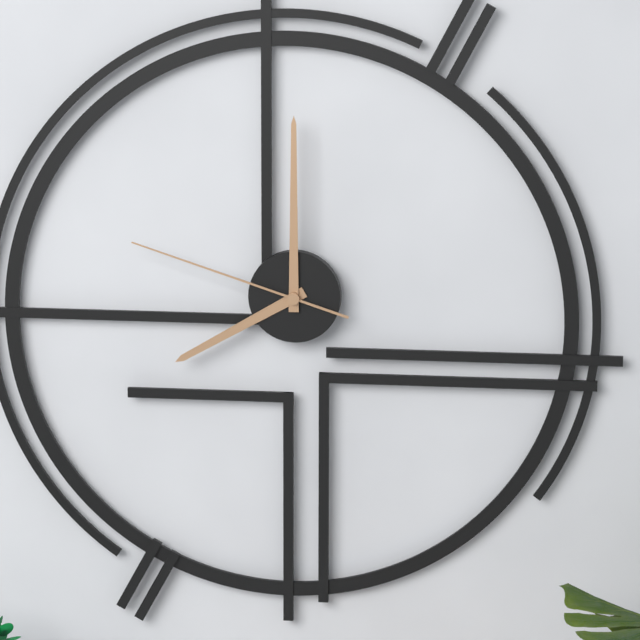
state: 8:00:48
